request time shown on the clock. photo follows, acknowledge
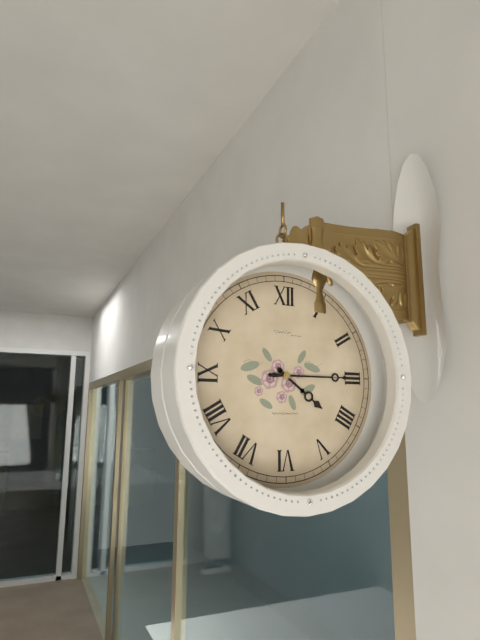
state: 4:15:15
